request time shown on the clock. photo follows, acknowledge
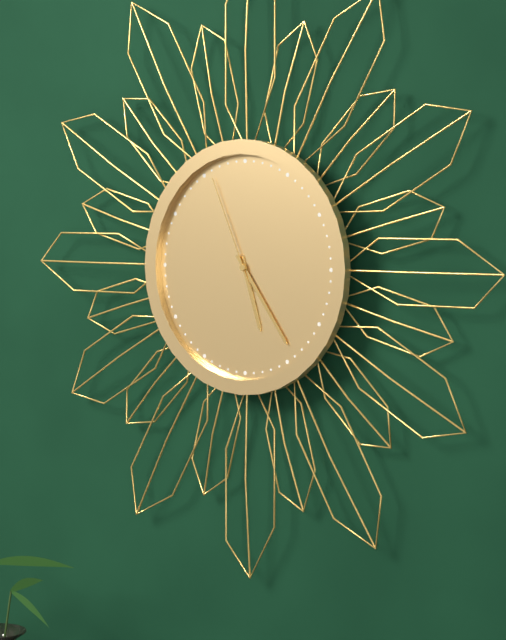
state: 5:24:56
